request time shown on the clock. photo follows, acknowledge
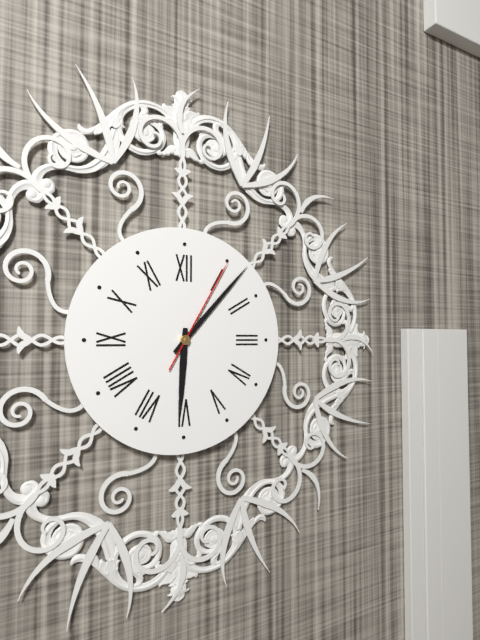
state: 6:07:05
